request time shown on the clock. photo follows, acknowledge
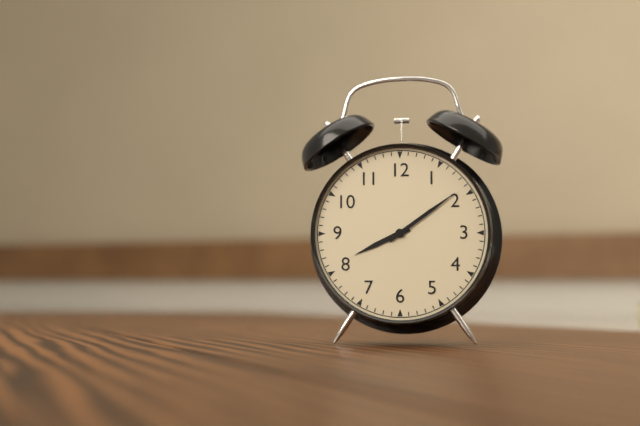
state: 8:09
